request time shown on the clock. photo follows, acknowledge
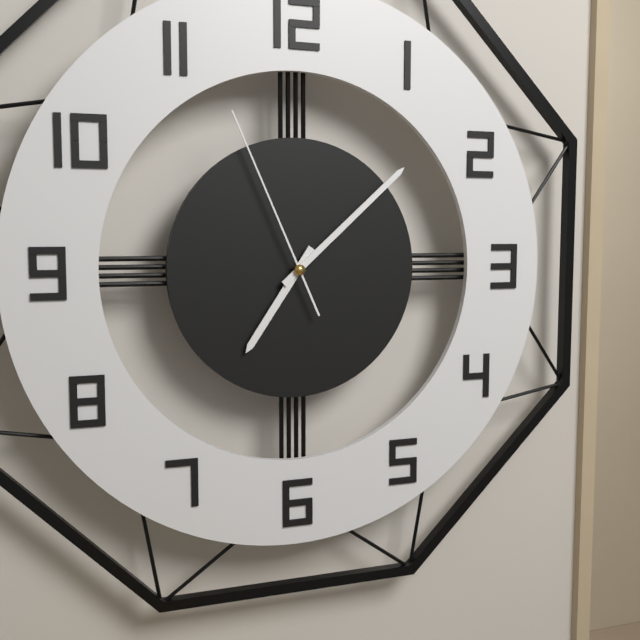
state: 7:08:56
